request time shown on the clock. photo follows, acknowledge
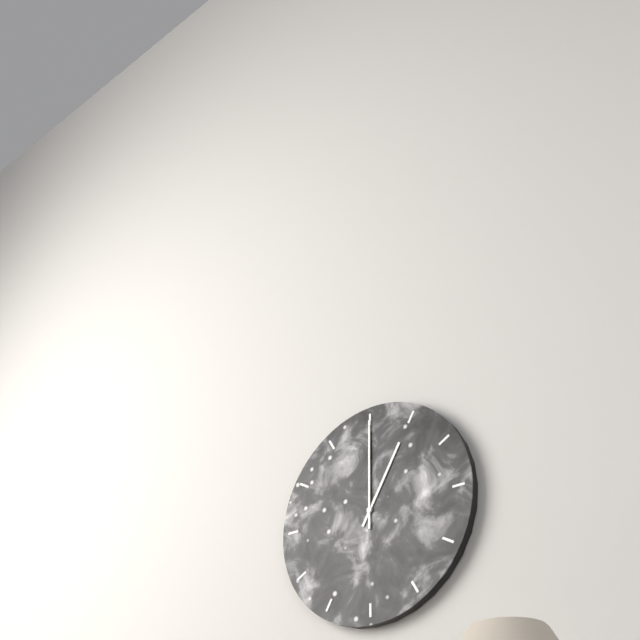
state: 1:00
